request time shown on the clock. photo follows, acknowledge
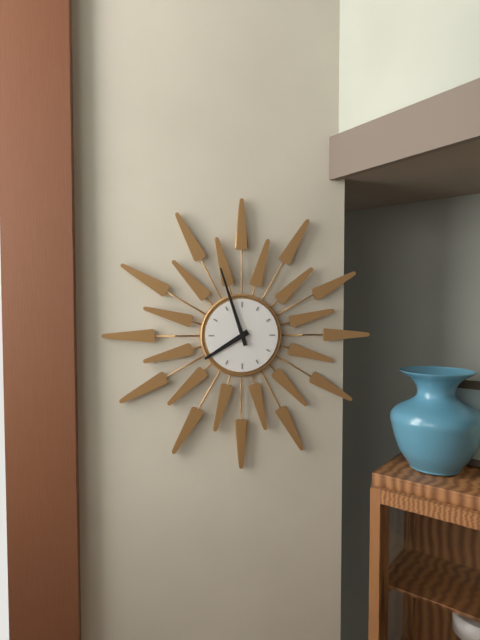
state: 7:57
